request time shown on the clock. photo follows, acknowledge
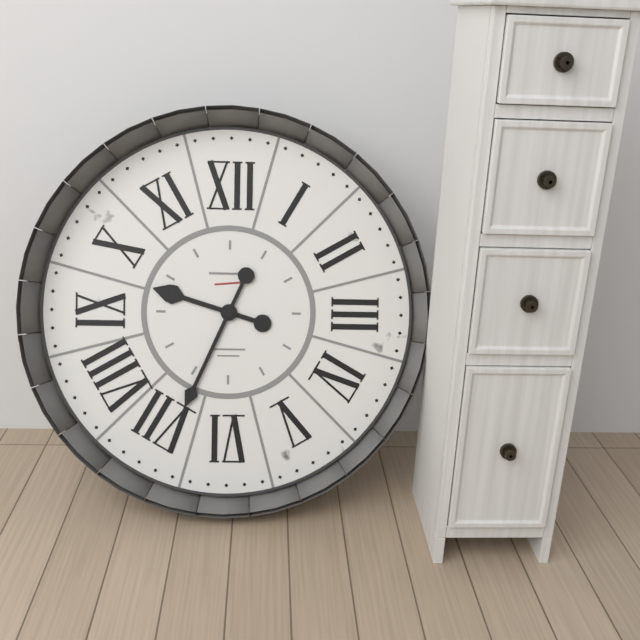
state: 9:34
